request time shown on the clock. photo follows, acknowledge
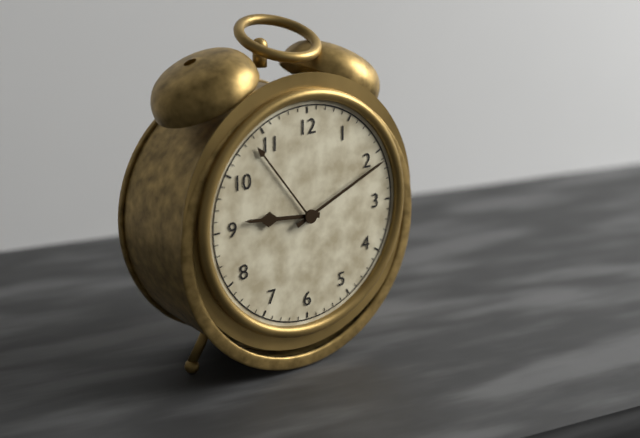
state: 9:11
